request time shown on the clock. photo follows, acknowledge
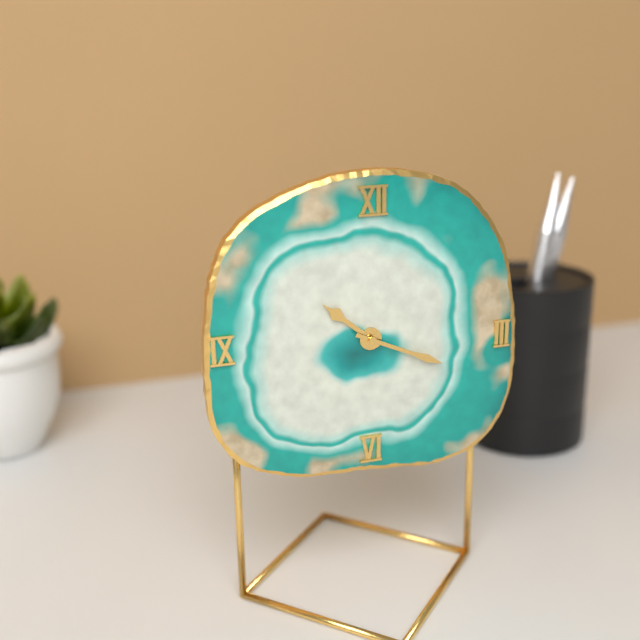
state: 10:19
